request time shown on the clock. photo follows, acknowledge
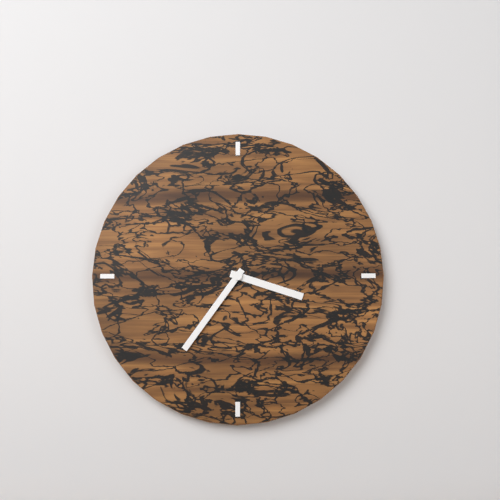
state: 3:36
